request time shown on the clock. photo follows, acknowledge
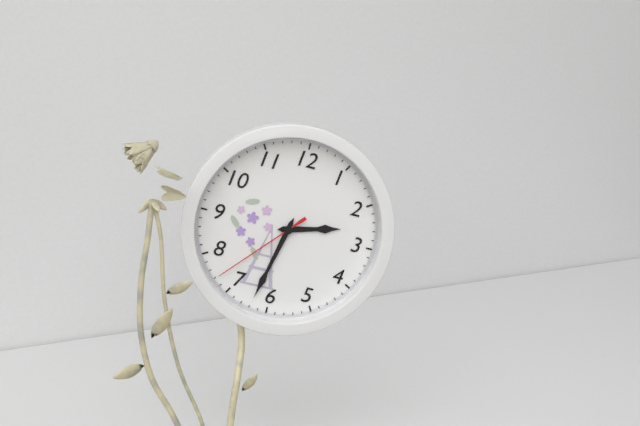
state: 2:32:37
